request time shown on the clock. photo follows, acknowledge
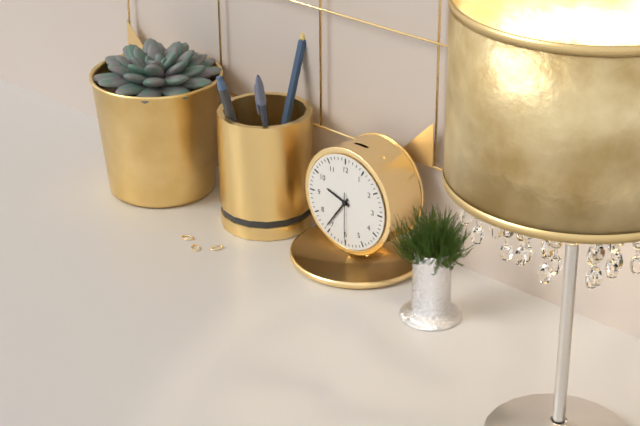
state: 9:36
